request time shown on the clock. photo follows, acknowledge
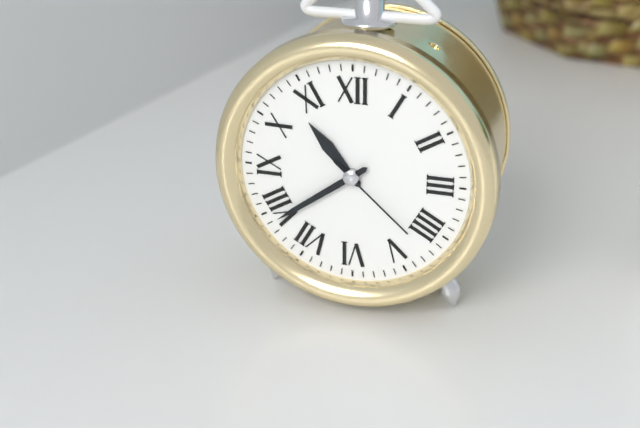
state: 10:39:22
